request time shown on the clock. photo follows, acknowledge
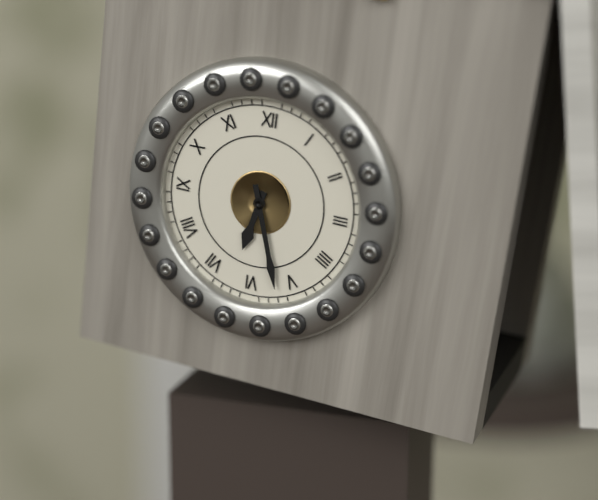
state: 6:27
